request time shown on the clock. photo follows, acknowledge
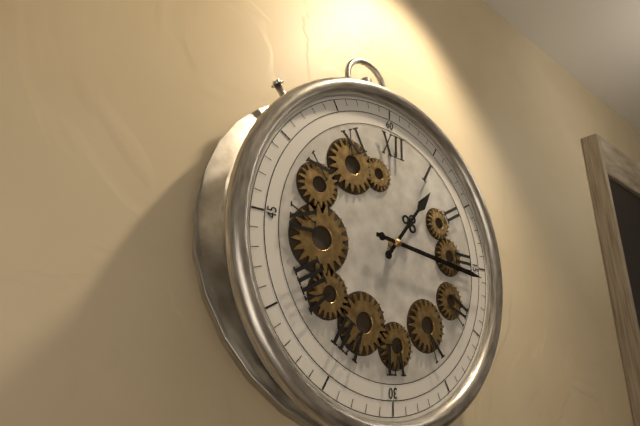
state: 1:16
